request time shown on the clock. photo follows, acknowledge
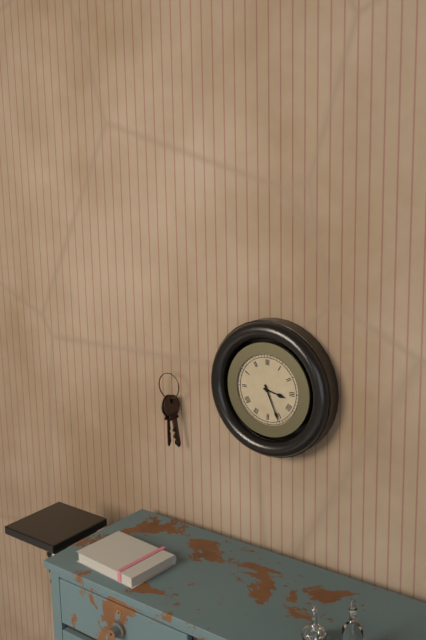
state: 3:26
